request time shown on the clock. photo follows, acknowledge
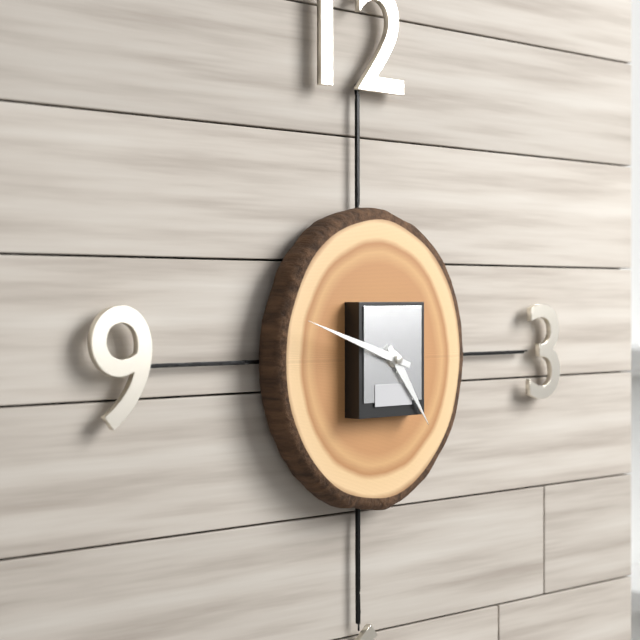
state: 4:48
